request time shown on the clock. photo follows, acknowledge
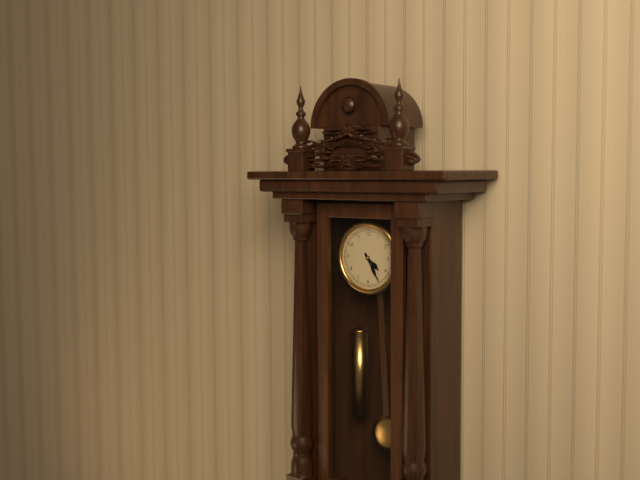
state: 4:25
